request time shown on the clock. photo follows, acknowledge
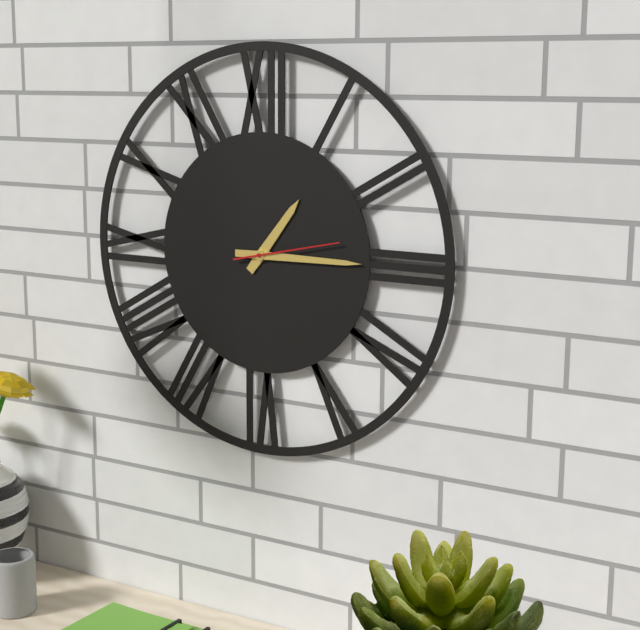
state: 1:15:13
